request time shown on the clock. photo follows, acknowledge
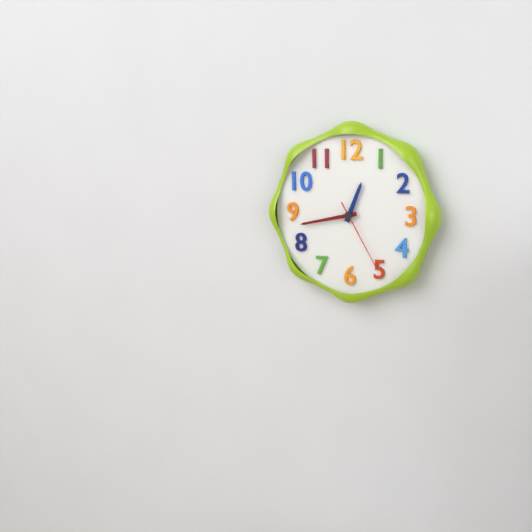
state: 12:43:25
